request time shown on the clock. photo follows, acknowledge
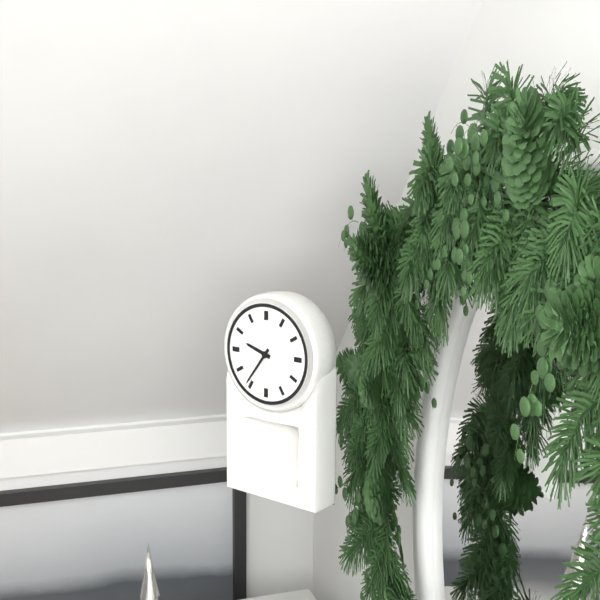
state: 9:36
